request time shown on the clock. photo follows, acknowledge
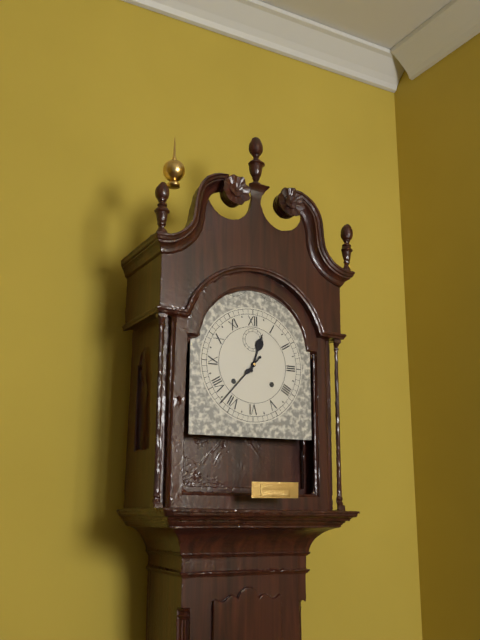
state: 12:37
